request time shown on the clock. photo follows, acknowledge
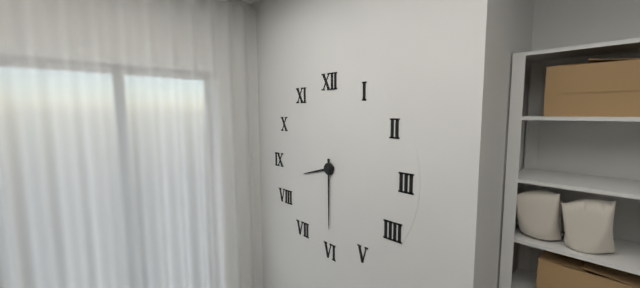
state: 8:30
